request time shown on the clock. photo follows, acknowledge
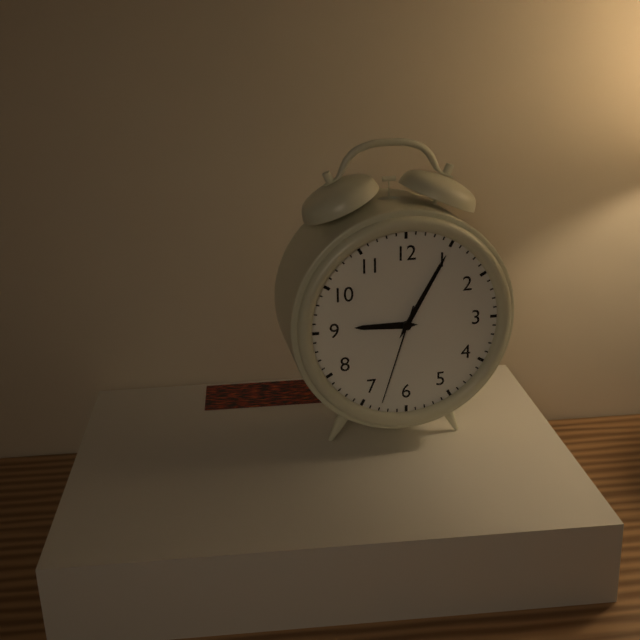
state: 9:05:33
